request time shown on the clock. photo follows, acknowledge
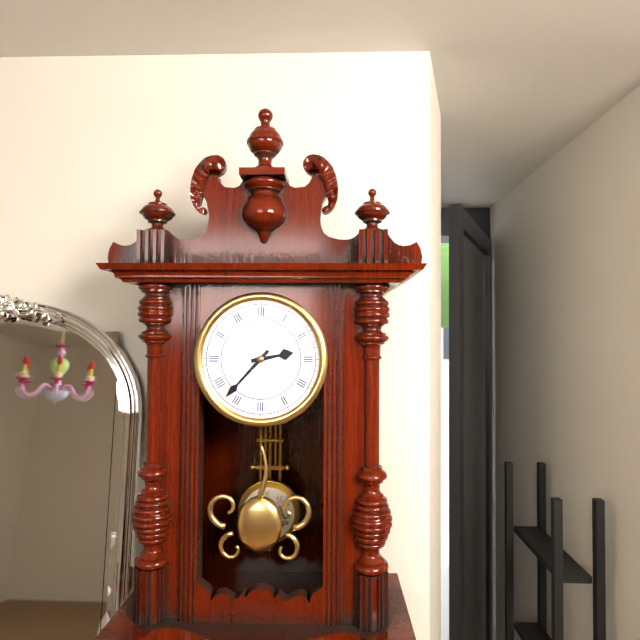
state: 2:37
